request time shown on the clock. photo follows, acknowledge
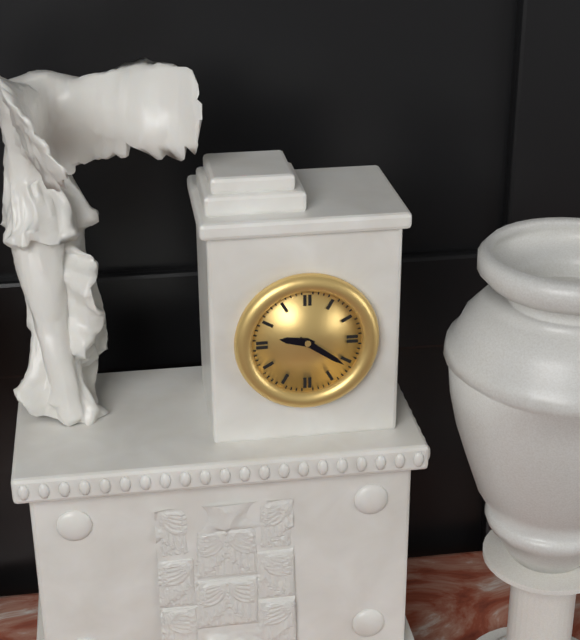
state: 9:21
